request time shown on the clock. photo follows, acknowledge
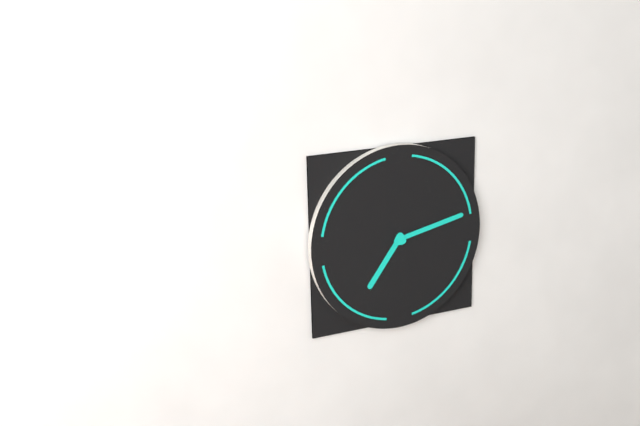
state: 7:13
